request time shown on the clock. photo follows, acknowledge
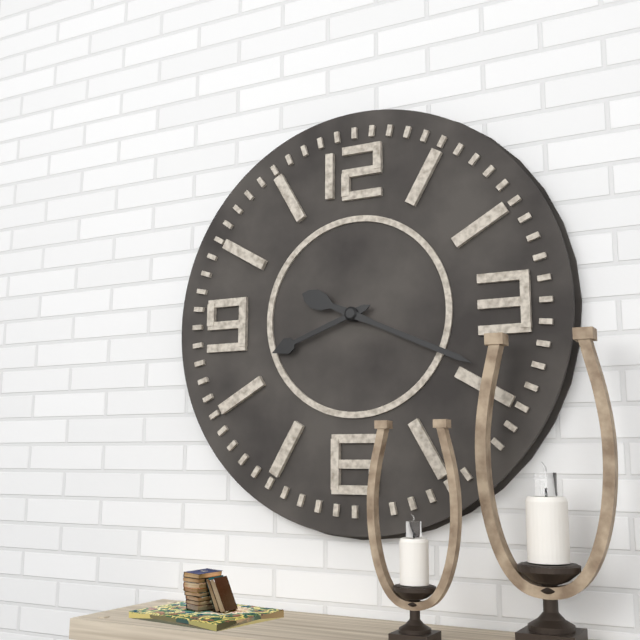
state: 8:19
